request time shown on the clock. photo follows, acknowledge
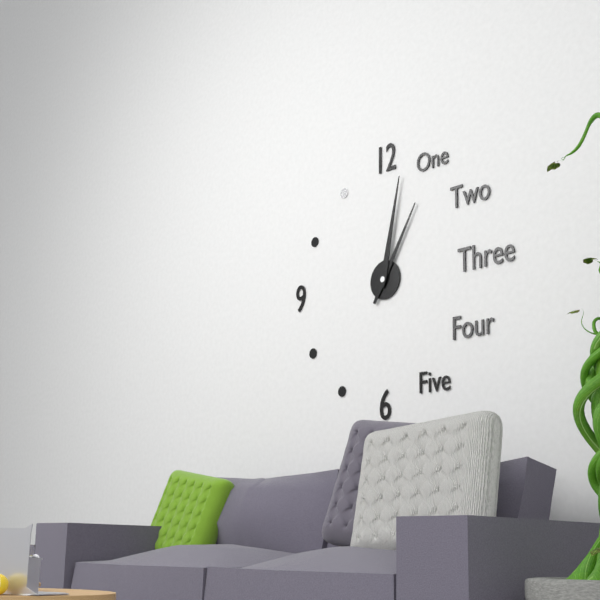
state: 1:02
